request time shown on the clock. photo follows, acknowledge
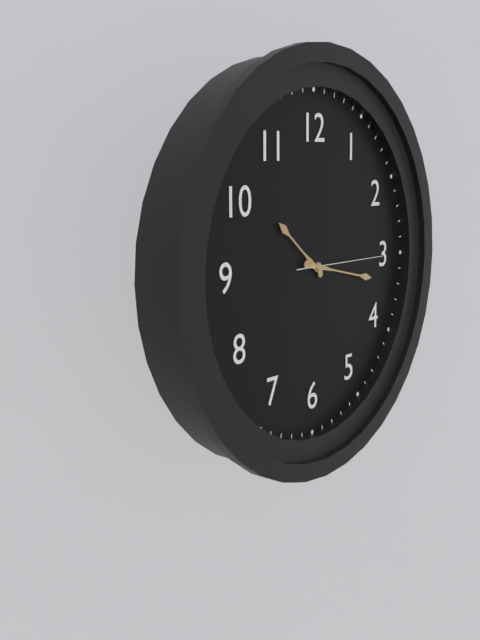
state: 10:17:15
